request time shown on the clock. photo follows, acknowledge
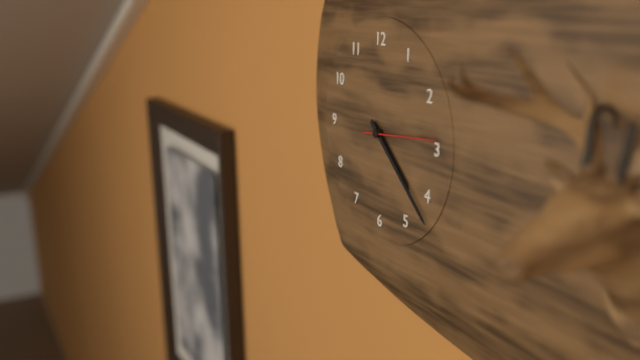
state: 4:22:14
